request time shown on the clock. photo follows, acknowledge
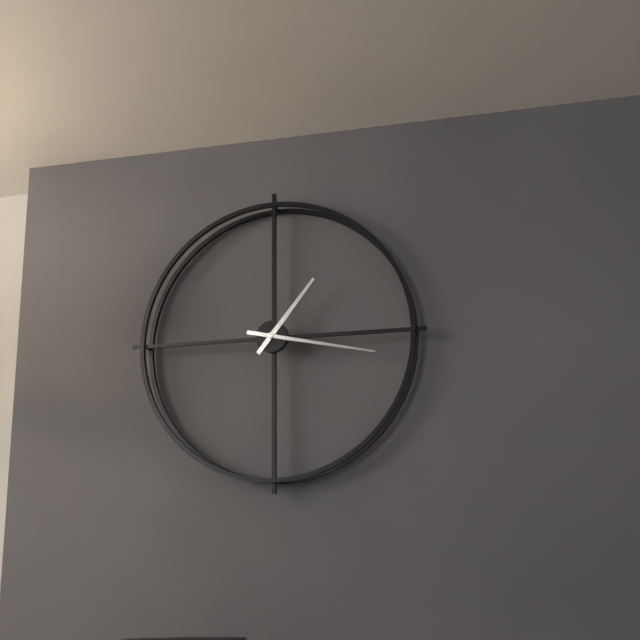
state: 1:17
